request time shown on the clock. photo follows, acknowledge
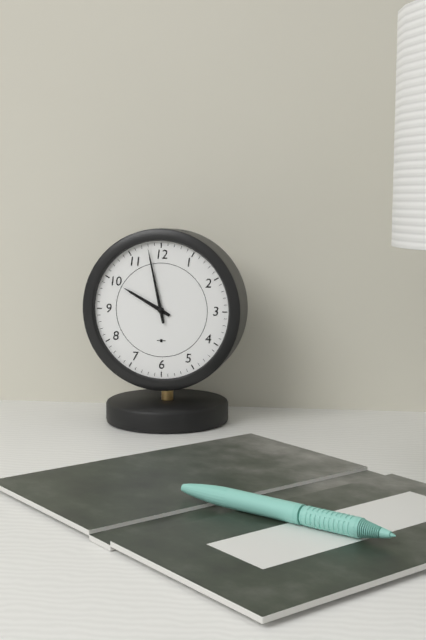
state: 9:58
